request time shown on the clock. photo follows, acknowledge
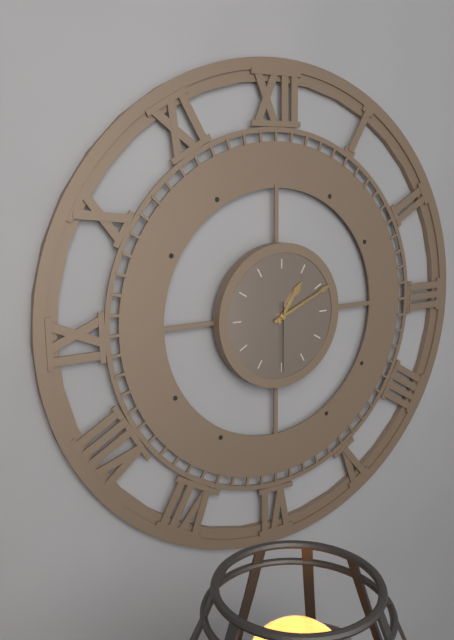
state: 1:11:30
